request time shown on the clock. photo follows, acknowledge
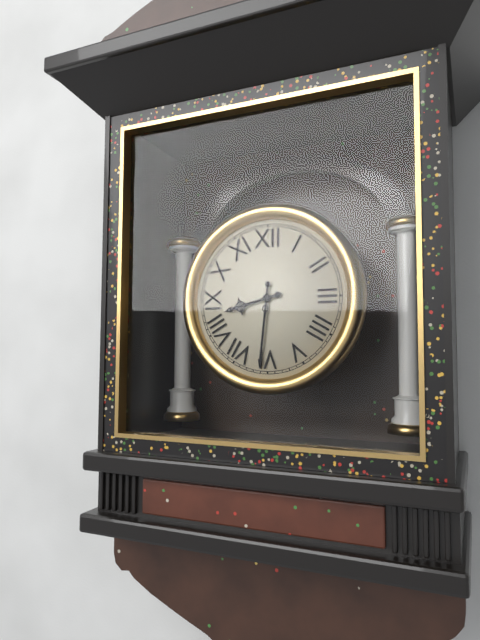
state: 8:31
